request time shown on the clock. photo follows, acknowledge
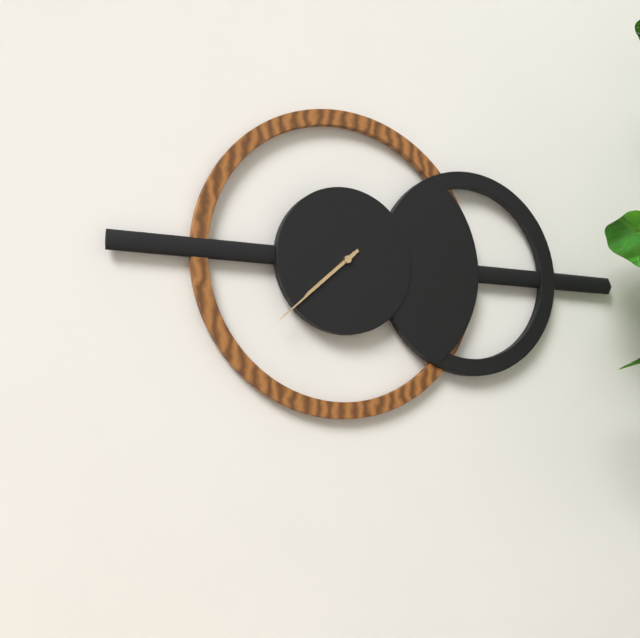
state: 7:38
